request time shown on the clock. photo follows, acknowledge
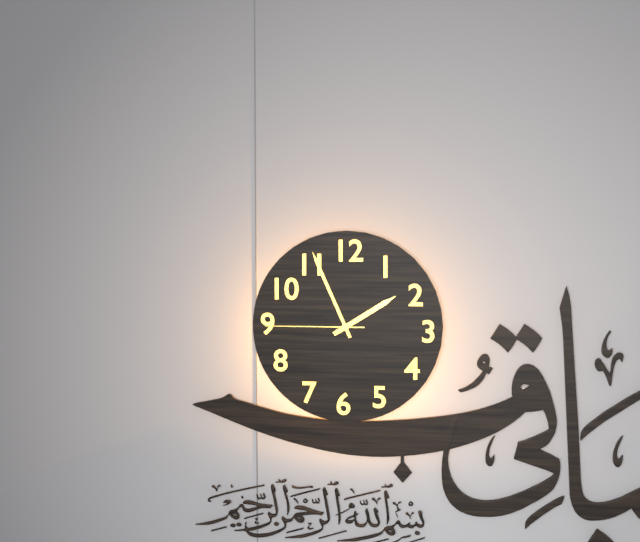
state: 1:56:45
